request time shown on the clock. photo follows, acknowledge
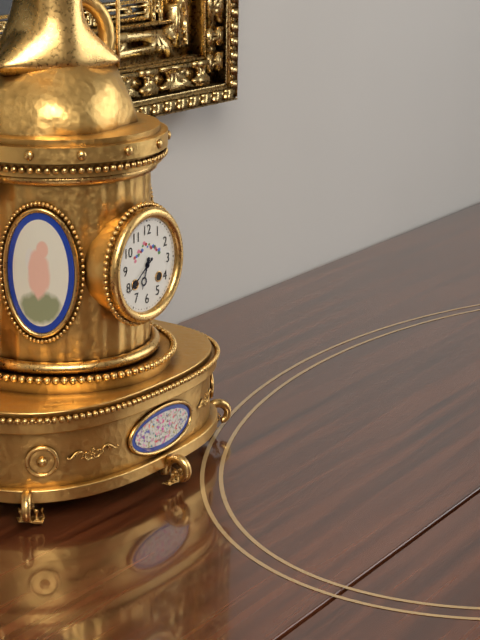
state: 6:39
